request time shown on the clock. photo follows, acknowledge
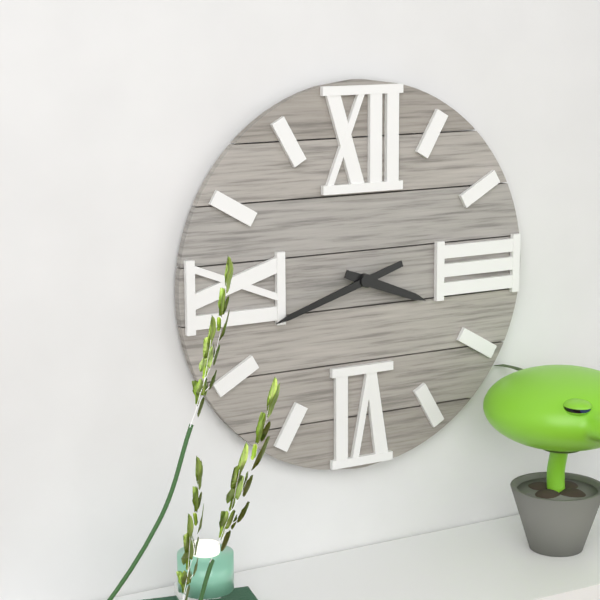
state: 3:42
